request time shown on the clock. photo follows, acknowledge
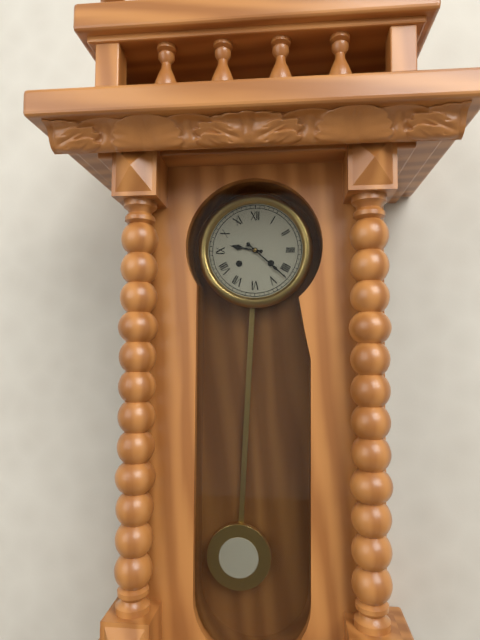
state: 9:22
